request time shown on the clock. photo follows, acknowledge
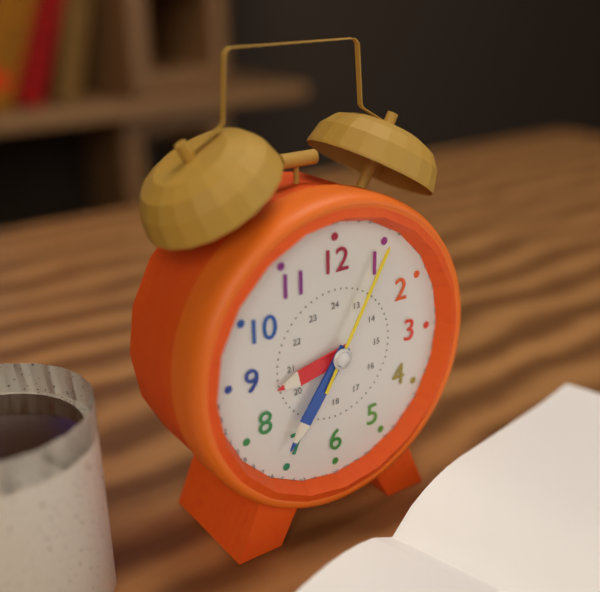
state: 8:36:05
